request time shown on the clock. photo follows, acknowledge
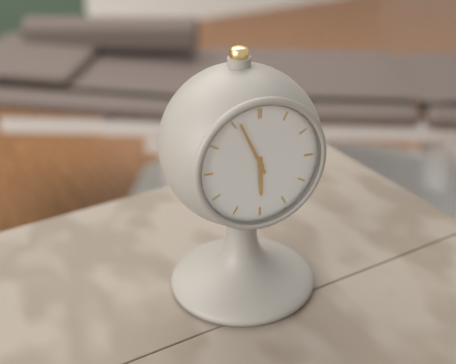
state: 5:56
